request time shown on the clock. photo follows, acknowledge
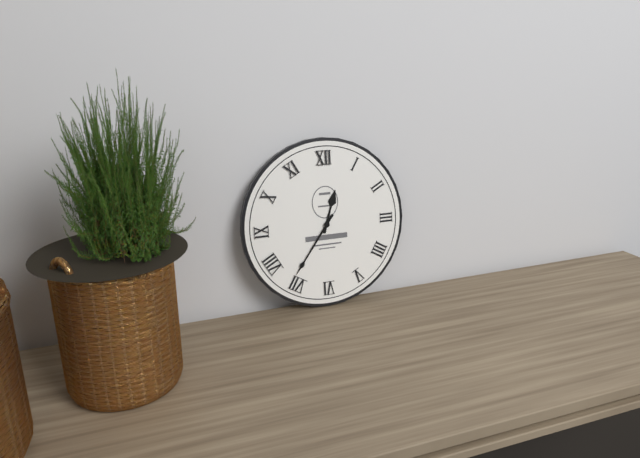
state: 12:36
